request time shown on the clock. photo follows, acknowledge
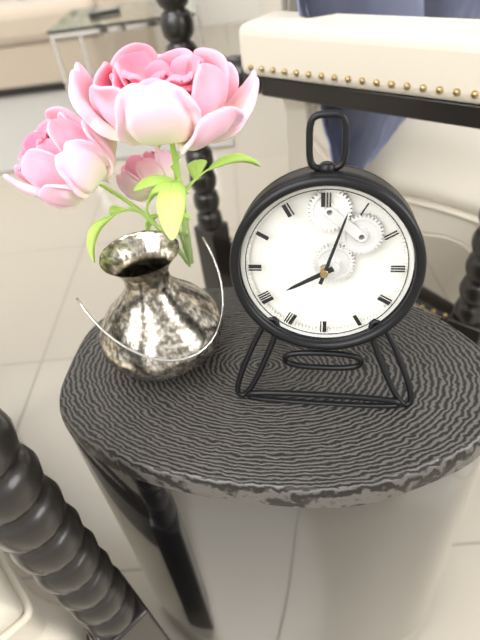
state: 8:03
